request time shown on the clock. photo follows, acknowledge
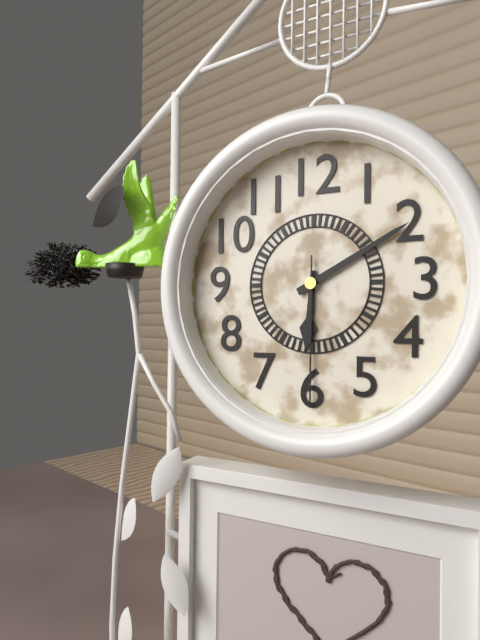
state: 6:10:30
